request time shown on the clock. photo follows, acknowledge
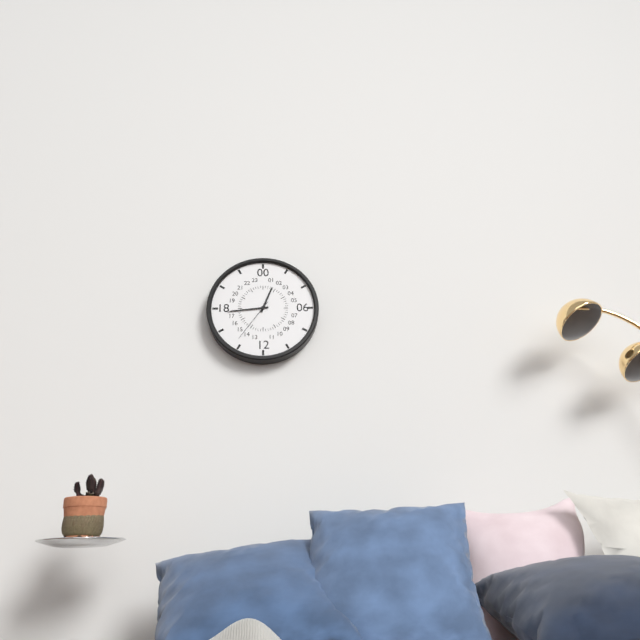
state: 12:44:36
